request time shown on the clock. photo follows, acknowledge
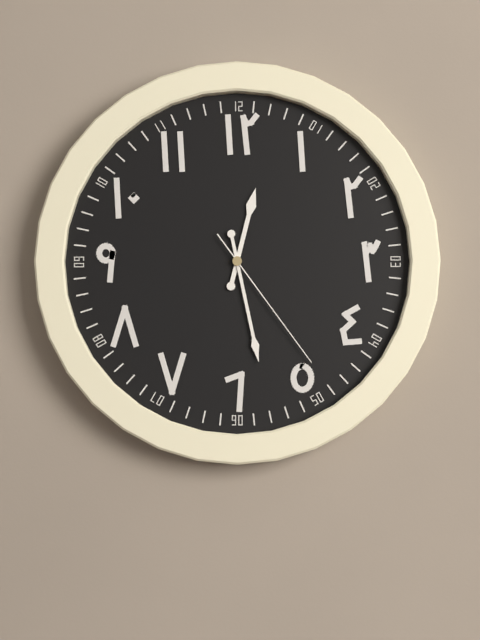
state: 12:28:24
